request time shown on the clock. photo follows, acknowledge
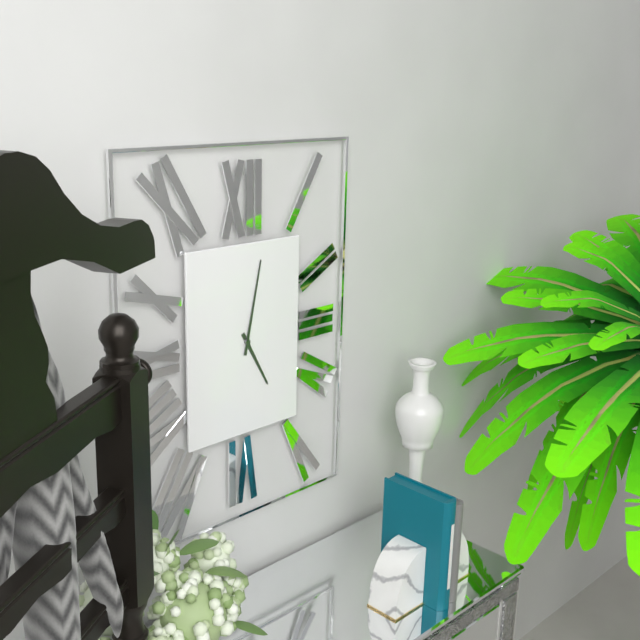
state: 5:02
